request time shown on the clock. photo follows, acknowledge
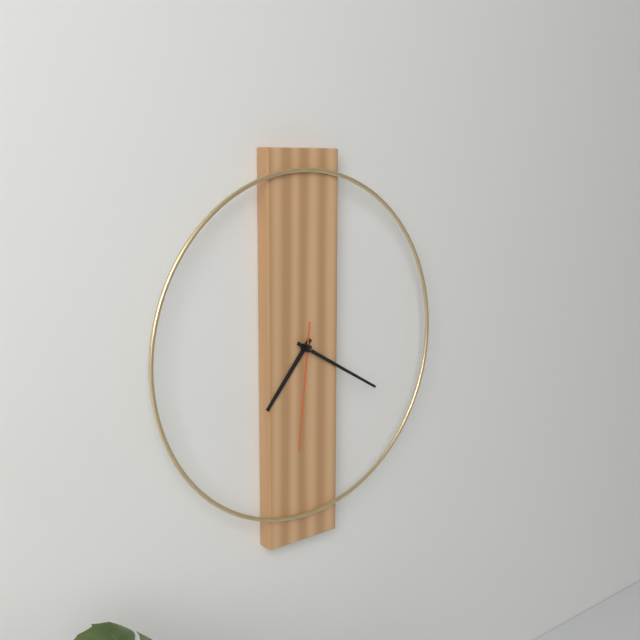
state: 7:20:31
